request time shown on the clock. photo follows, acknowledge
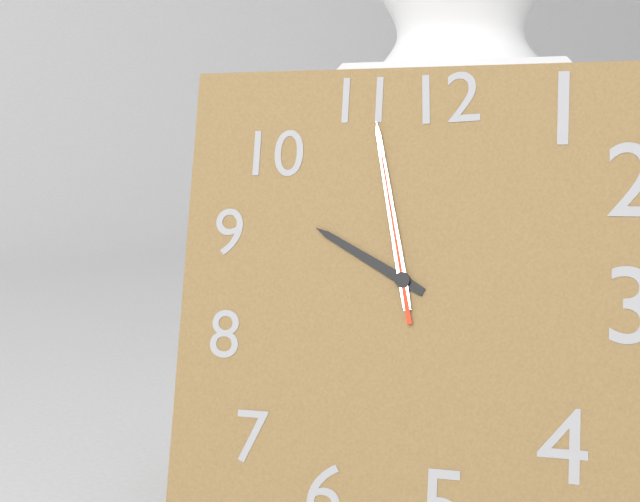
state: 9:58:58
